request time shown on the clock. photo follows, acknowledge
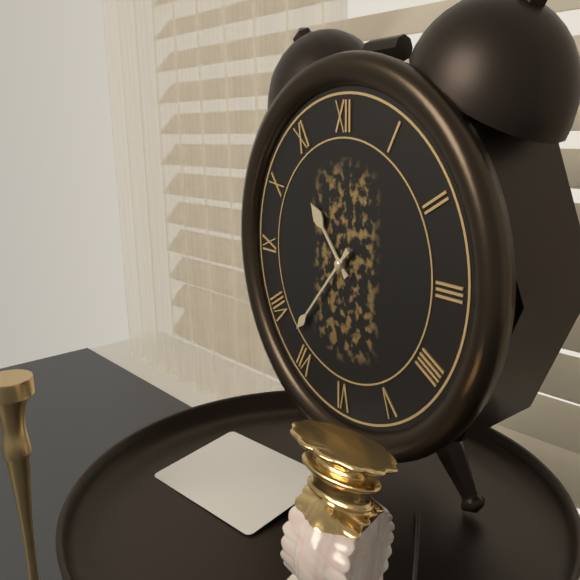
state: 10:37
